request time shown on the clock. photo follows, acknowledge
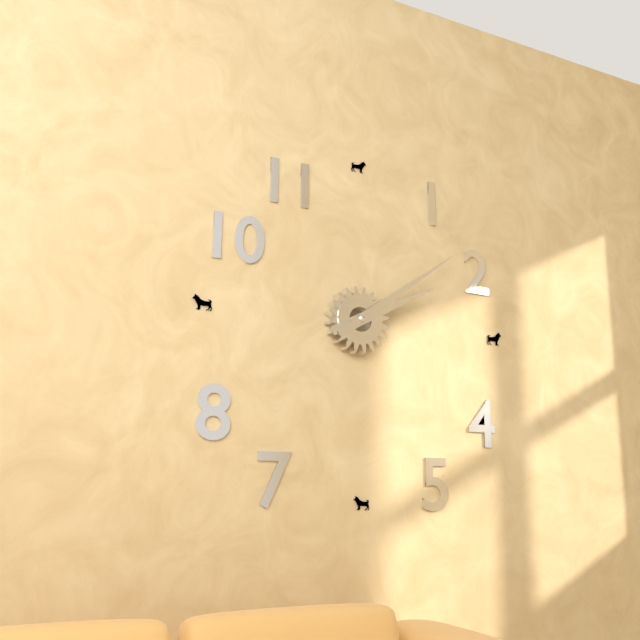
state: 2:09
